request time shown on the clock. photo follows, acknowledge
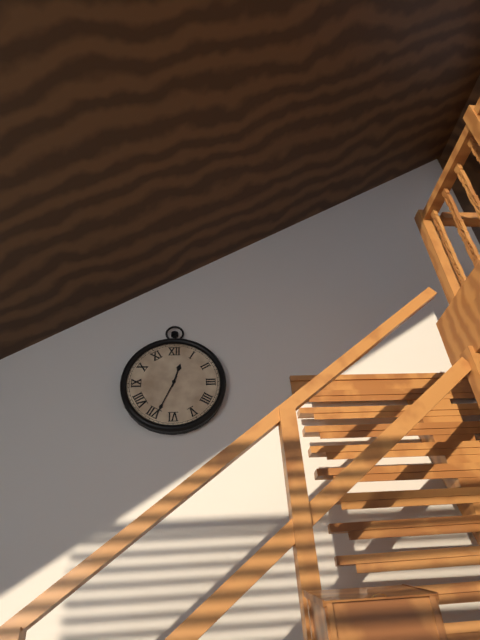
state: 12:34
